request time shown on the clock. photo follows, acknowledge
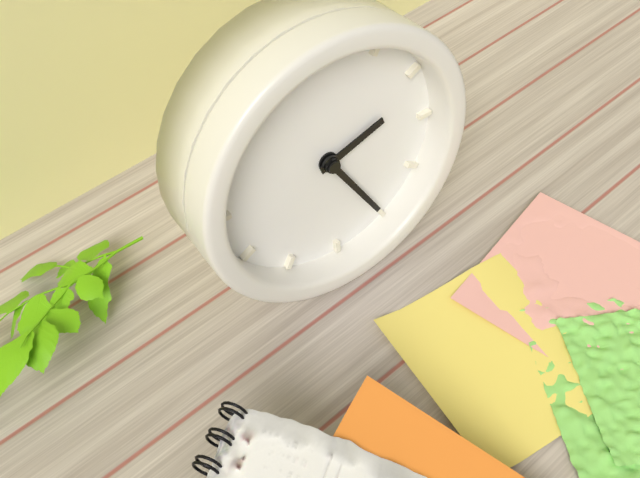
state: 2:25
